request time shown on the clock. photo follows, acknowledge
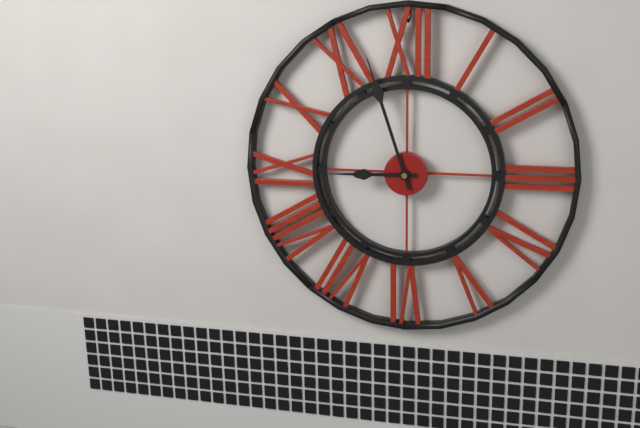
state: 8:57
